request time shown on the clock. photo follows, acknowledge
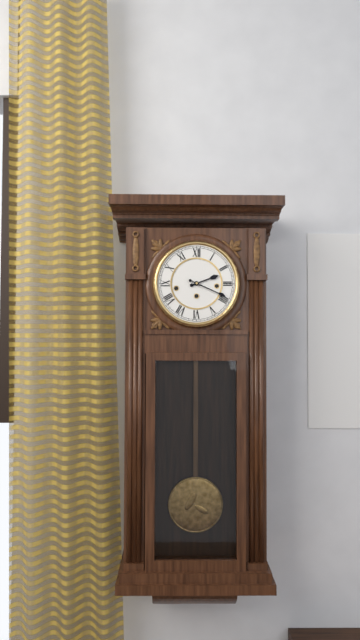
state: 2:19
